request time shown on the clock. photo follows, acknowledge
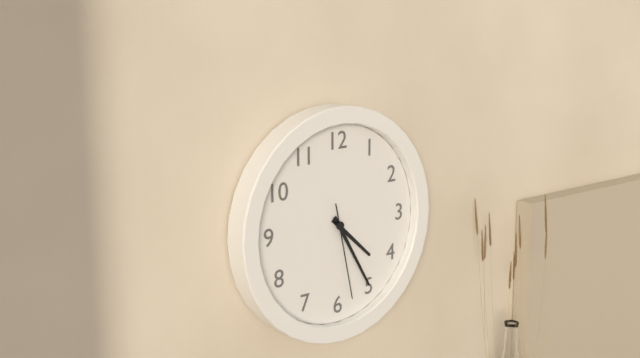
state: 4:25:28
